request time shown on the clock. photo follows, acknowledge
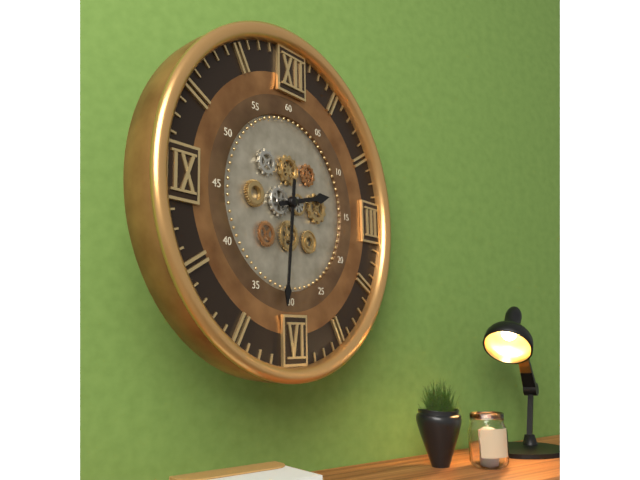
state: 2:31
